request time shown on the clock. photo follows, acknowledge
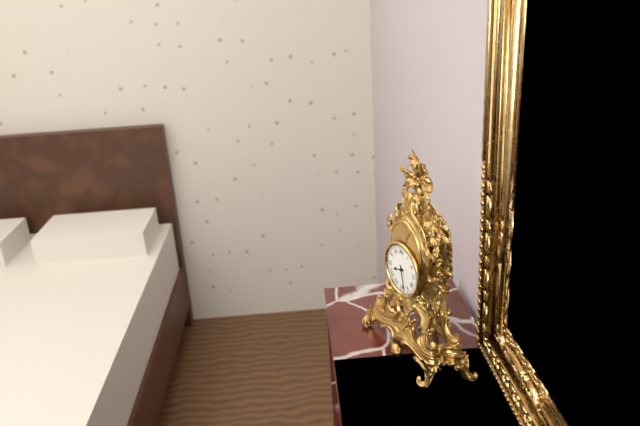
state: 8:28
